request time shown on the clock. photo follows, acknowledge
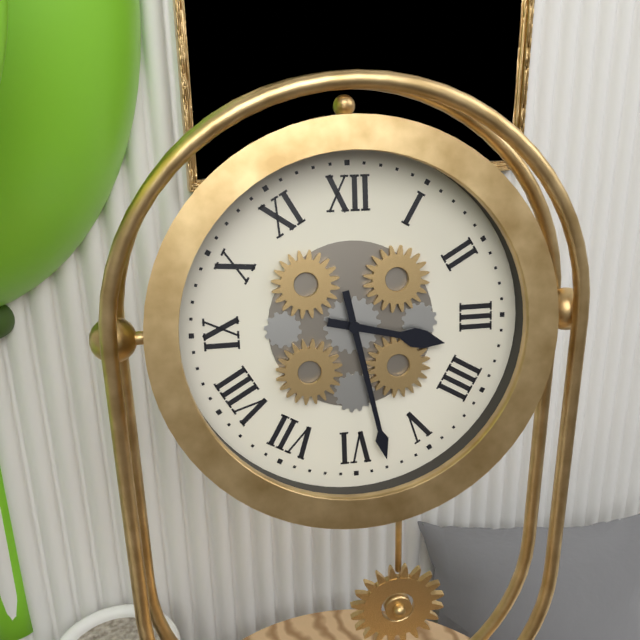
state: 3:28
